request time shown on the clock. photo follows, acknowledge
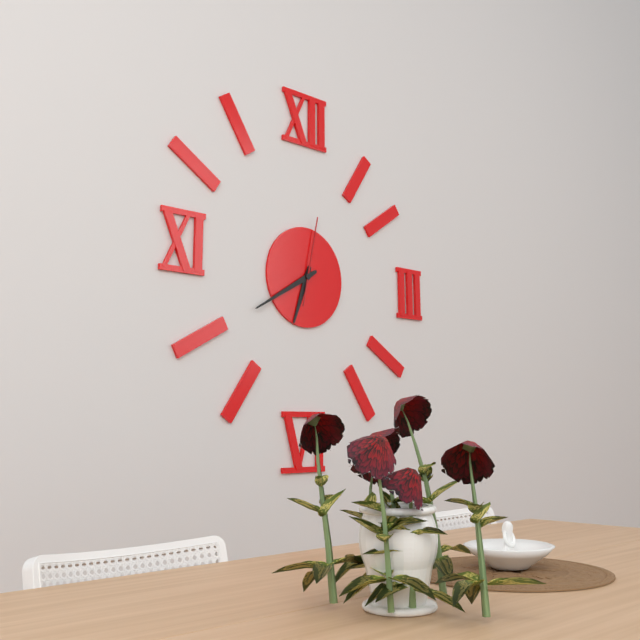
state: 6:40:02
